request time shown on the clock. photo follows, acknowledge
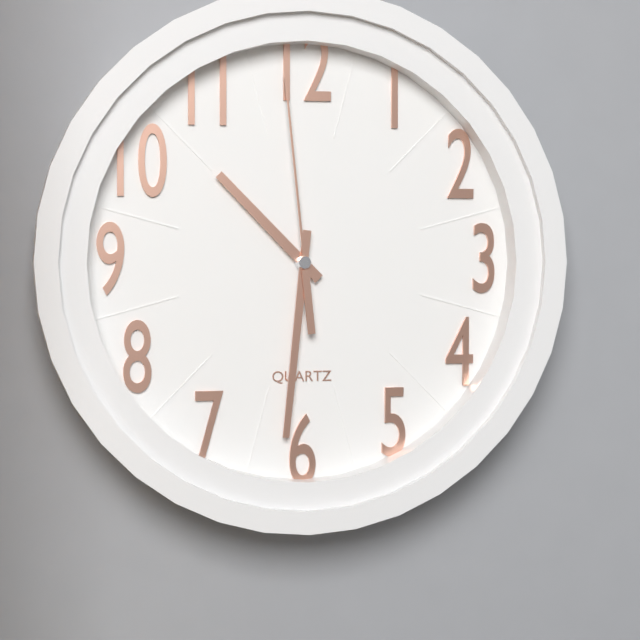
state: 10:31:59
